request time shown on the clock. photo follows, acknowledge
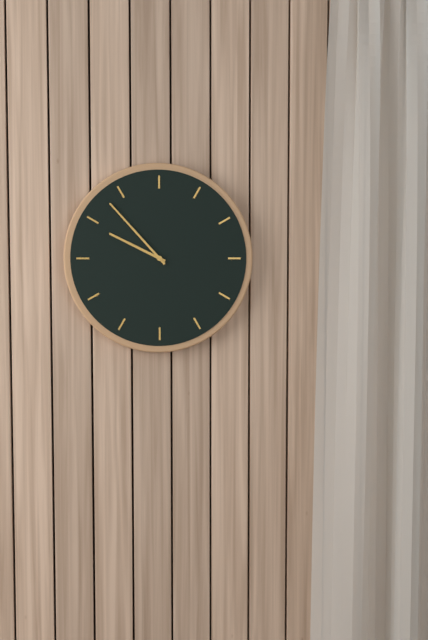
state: 9:53
